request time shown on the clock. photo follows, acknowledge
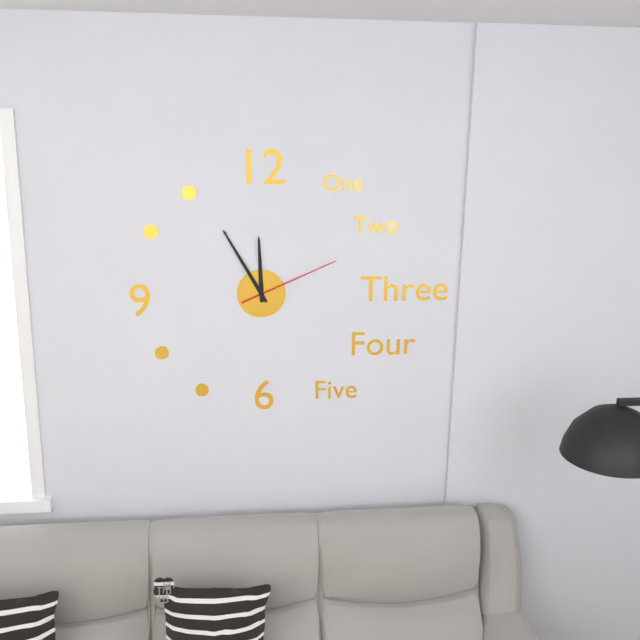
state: 11:55:11
